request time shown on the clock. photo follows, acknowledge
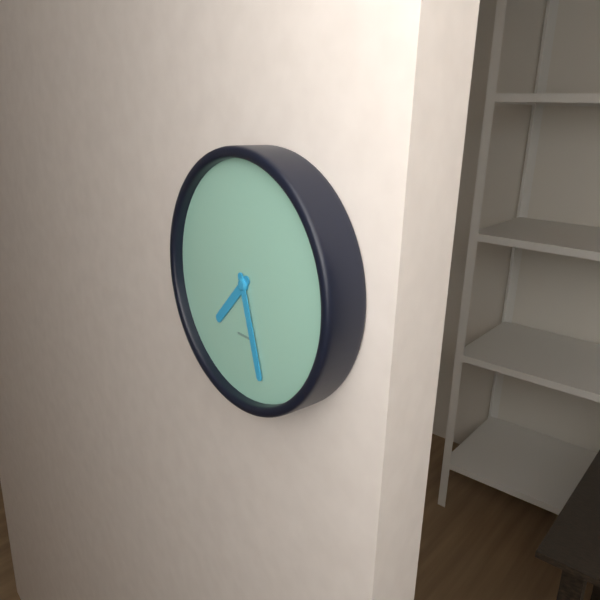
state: 7:27
